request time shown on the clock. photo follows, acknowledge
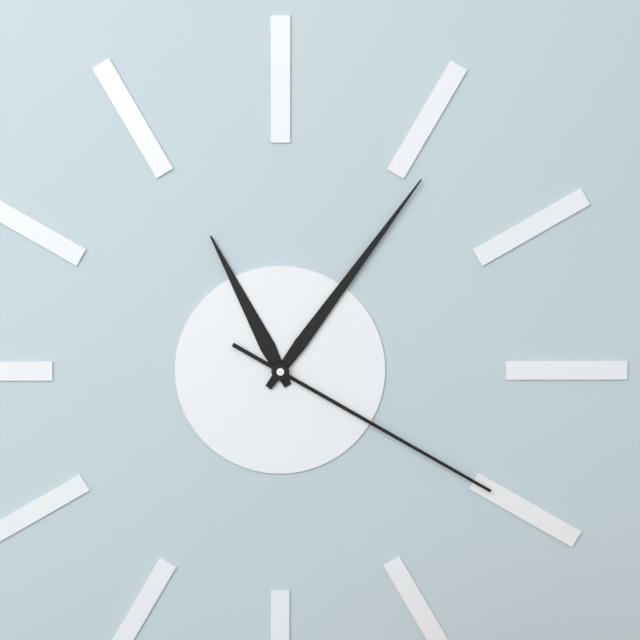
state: 11:06:20
